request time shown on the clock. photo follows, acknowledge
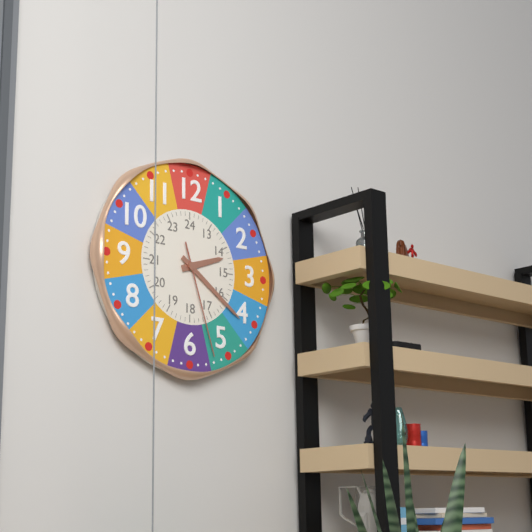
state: 2:21:27
